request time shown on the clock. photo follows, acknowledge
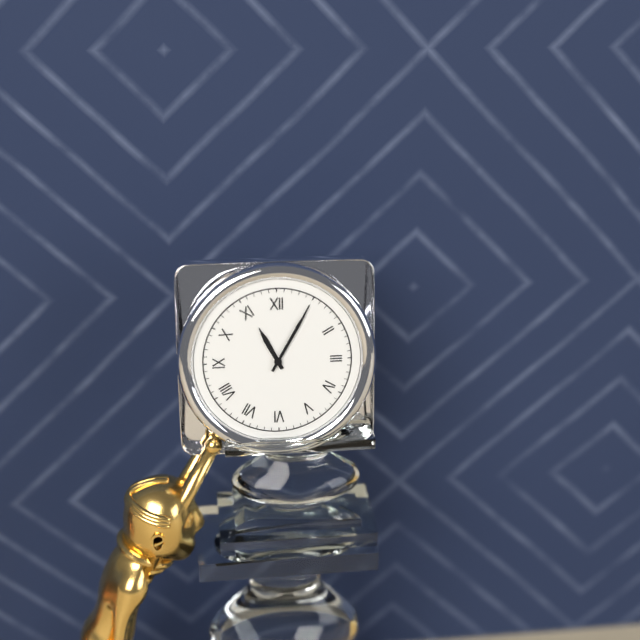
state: 11:05
